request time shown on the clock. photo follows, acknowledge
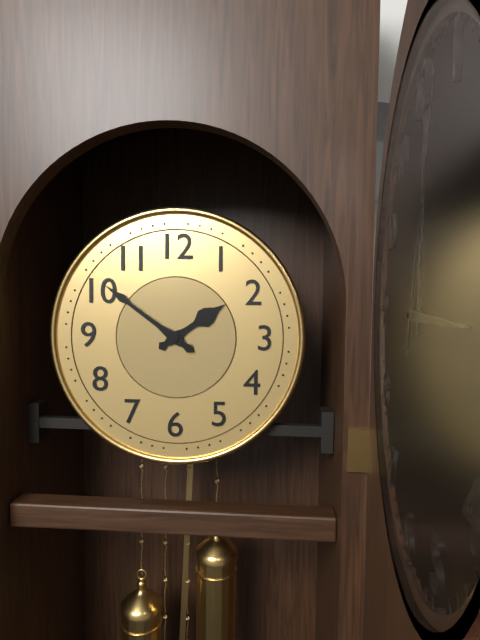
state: 1:51
